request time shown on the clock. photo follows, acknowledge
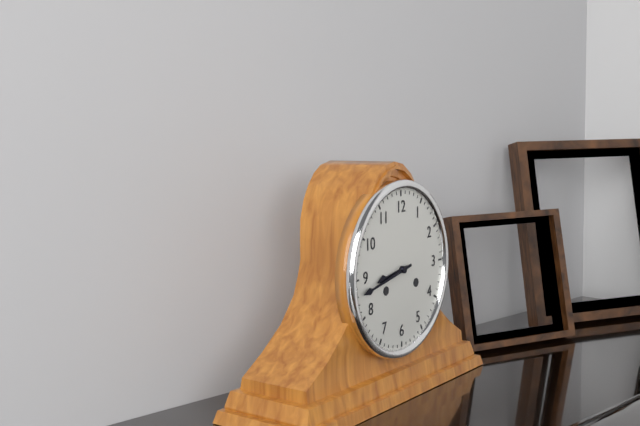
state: 8:43
